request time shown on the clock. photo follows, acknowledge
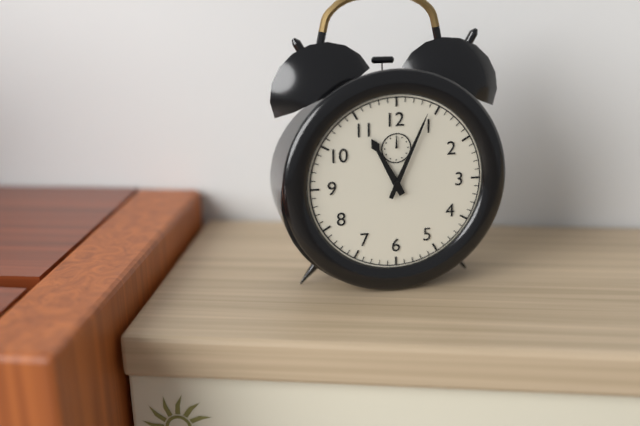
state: 11:04
